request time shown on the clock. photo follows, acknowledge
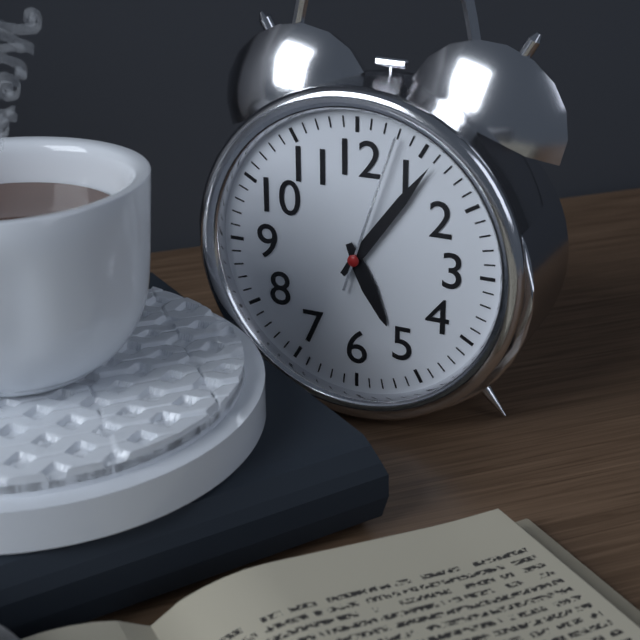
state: 5:06:03
